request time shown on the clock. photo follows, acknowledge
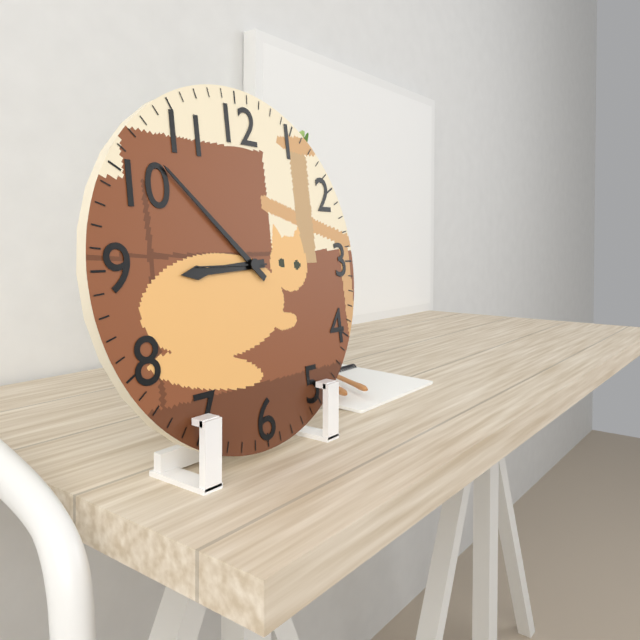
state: 8:52:45
